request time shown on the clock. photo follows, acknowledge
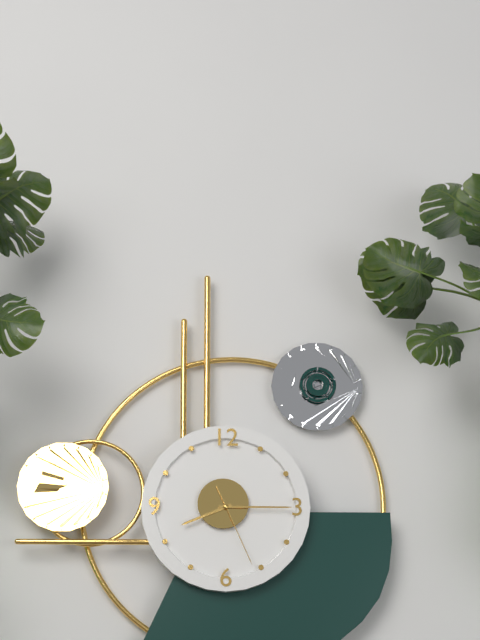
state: 8:15:26
